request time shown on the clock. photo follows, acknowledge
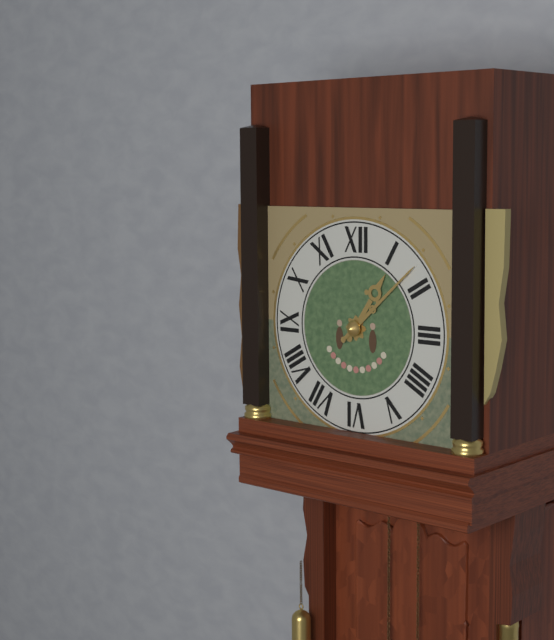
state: 1:08
